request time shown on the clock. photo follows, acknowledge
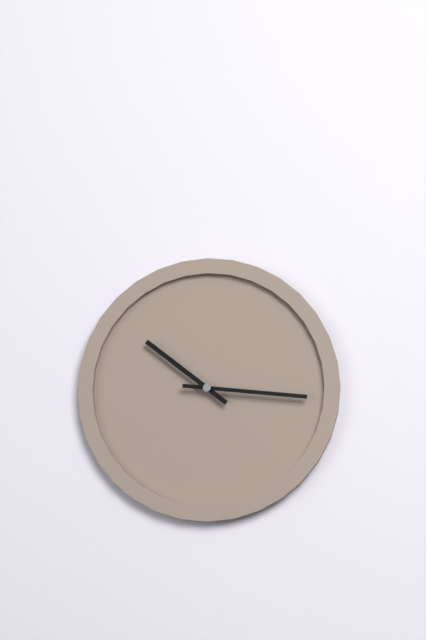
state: 10:16
